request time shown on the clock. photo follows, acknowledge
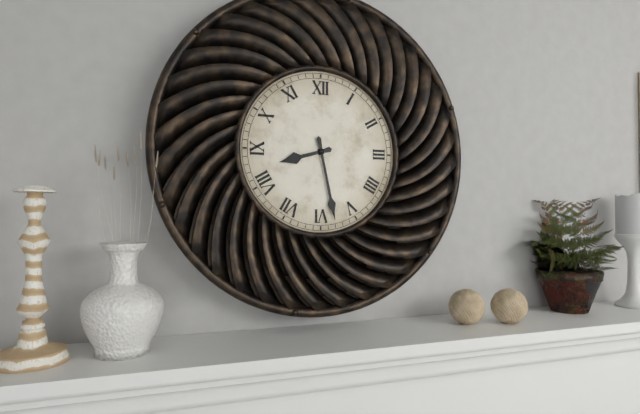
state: 8:28
